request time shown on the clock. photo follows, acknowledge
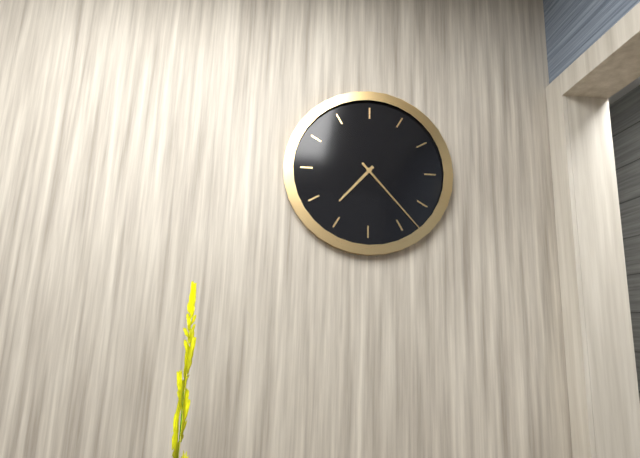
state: 7:23
